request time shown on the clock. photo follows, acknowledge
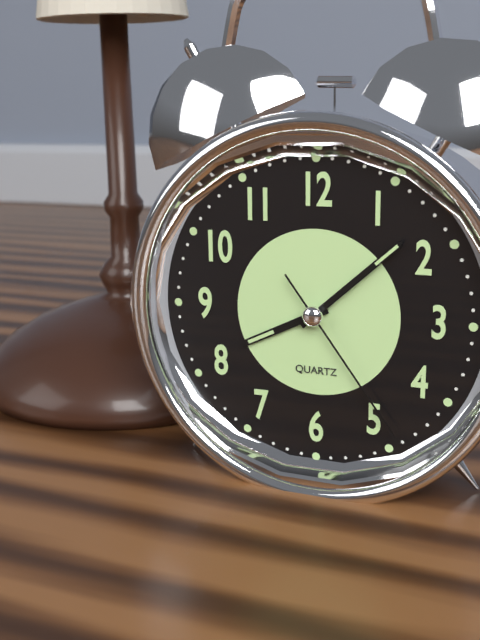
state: 8:08:24
